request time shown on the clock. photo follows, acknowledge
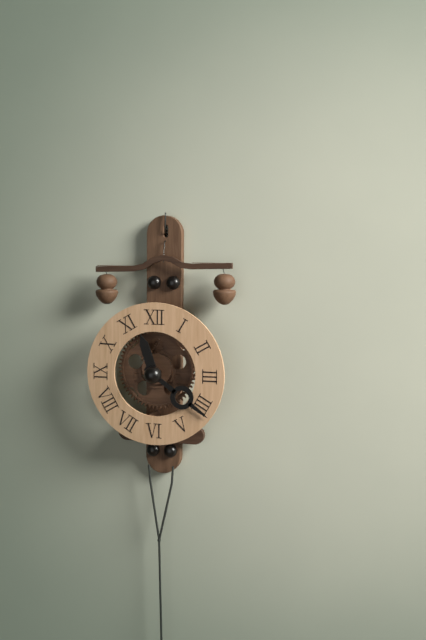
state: 11:21
